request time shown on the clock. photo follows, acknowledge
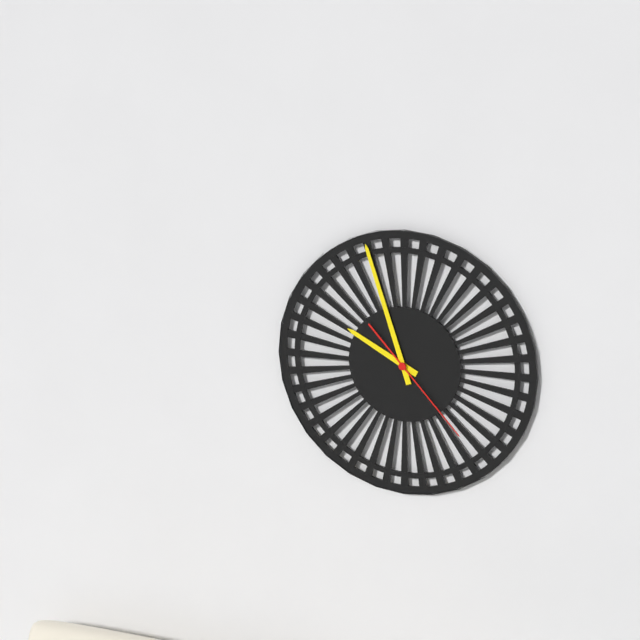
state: 9:57:23
